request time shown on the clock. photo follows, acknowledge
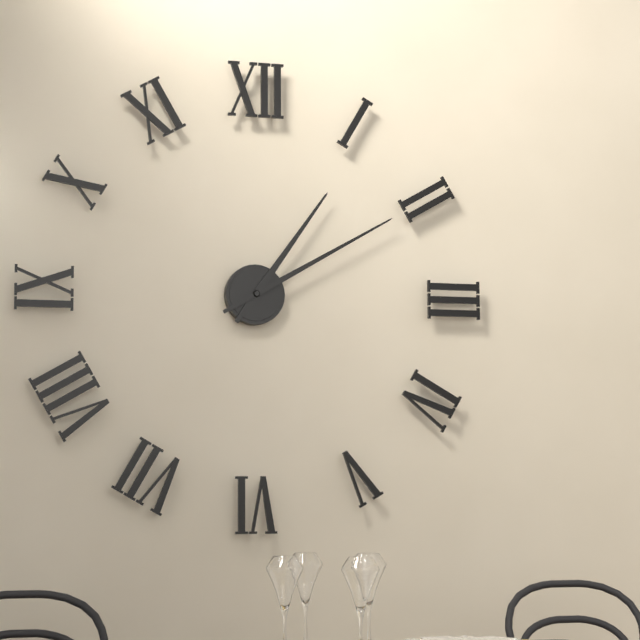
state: 1:10
